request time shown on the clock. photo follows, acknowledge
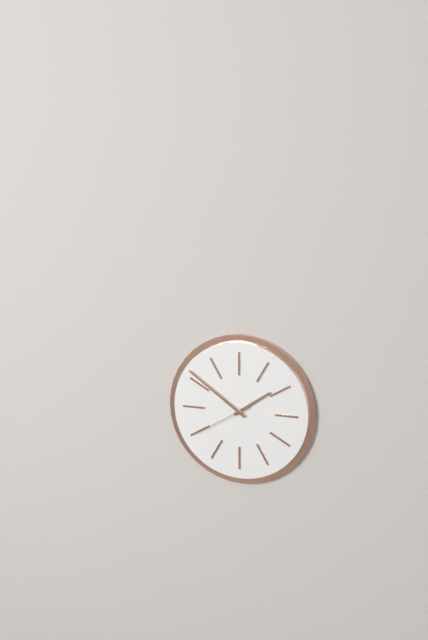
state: 1:51:40
